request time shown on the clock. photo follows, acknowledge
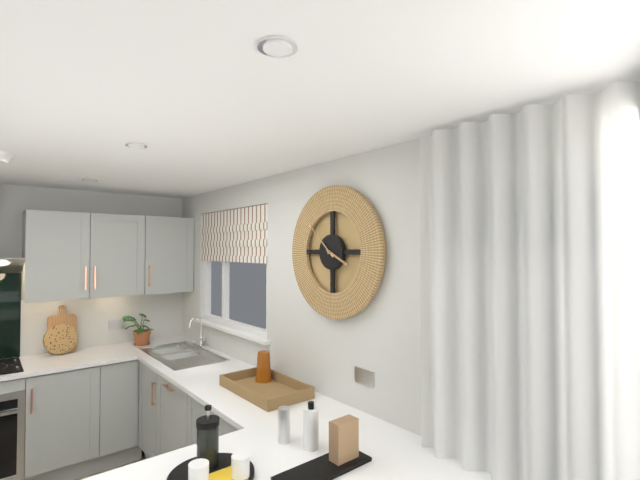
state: 3:52
